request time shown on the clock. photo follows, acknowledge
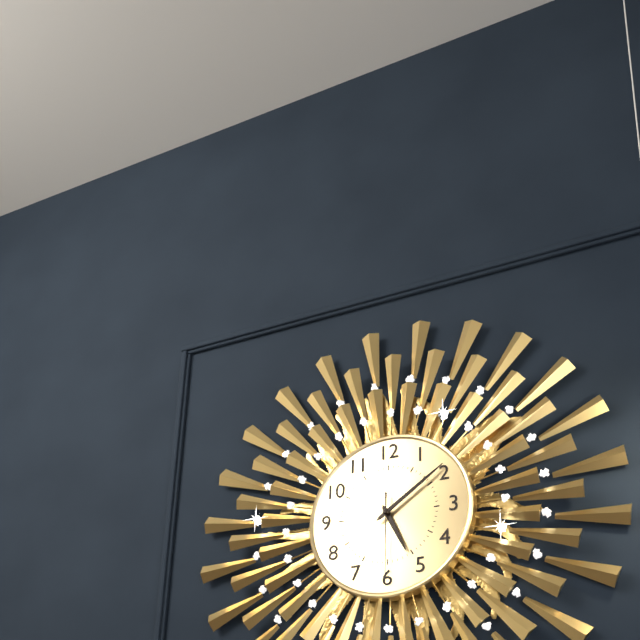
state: 5:09:30
